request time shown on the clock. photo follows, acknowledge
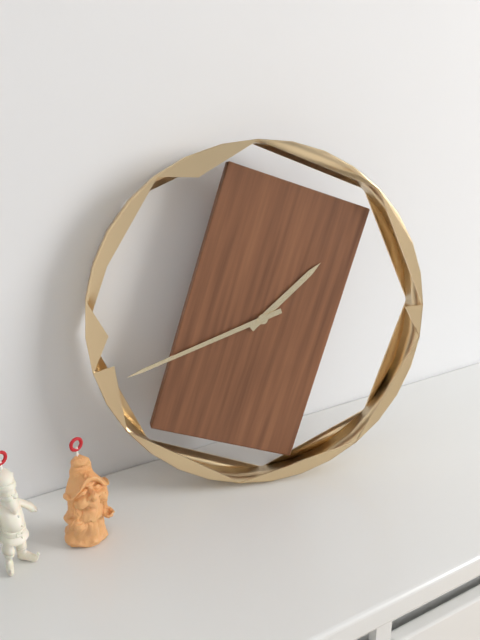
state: 1:42
